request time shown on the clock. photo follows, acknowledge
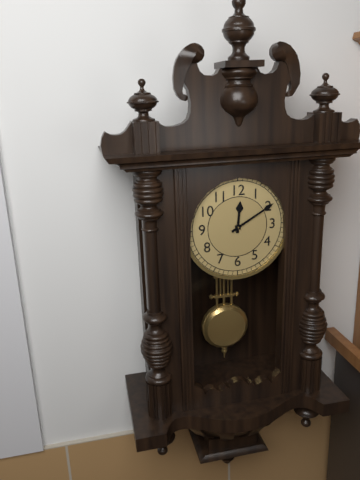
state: 12:10
